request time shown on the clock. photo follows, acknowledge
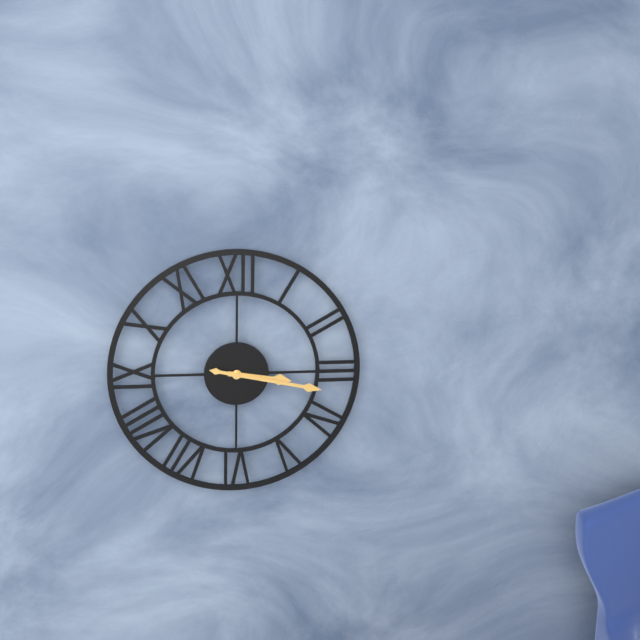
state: 3:17
